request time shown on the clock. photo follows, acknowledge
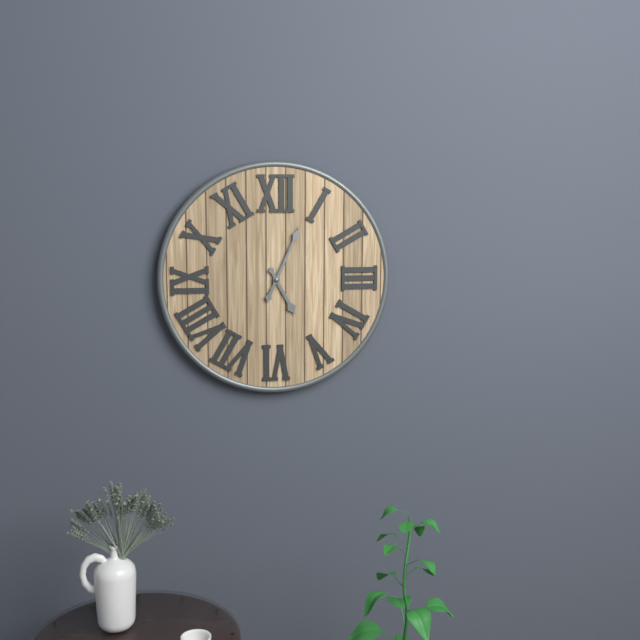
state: 5:04
